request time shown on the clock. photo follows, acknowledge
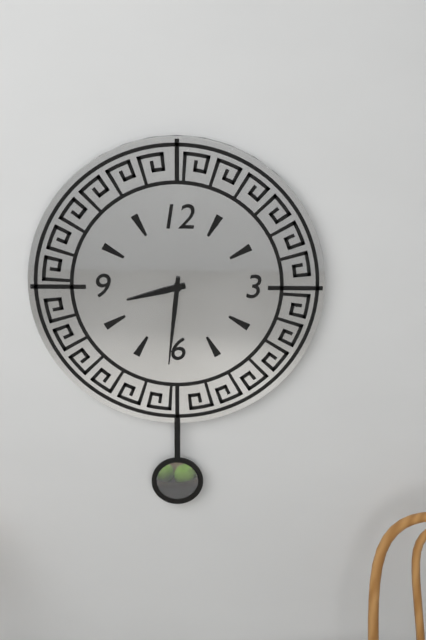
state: 8:31
